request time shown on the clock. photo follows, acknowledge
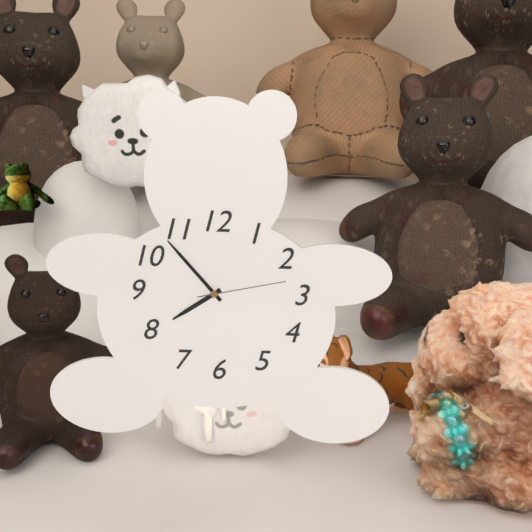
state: 7:53:13
